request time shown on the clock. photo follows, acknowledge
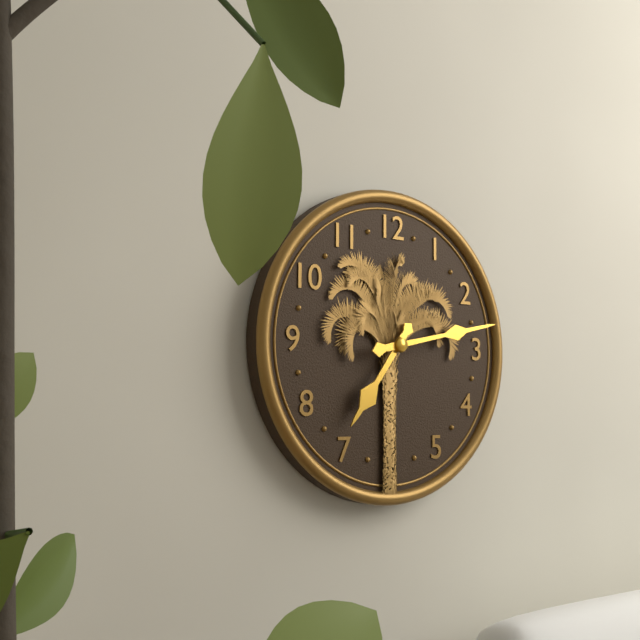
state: 7:13
